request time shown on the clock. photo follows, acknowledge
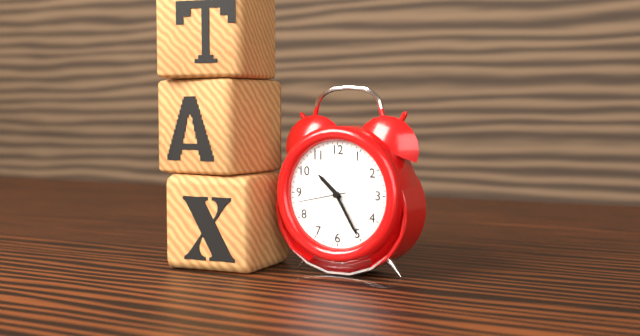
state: 10:25
